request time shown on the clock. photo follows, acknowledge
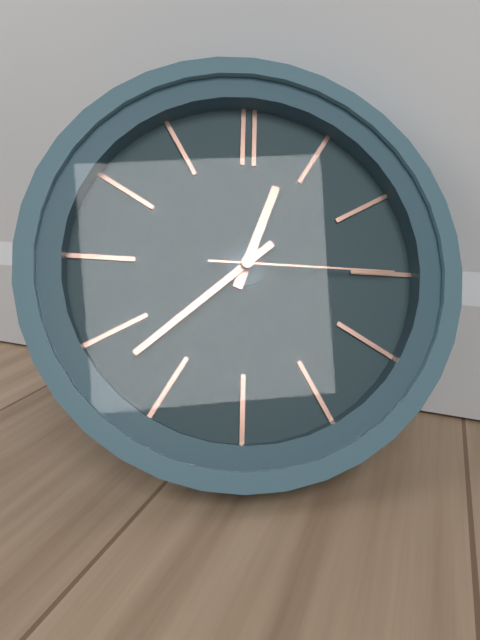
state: 12:38:15
